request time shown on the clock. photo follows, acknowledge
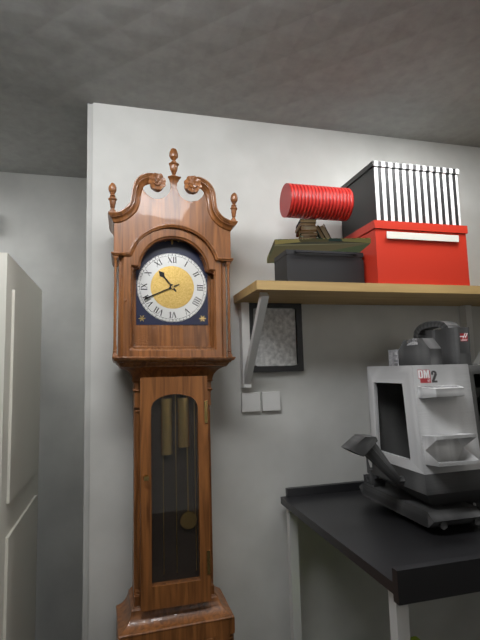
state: 10:41
